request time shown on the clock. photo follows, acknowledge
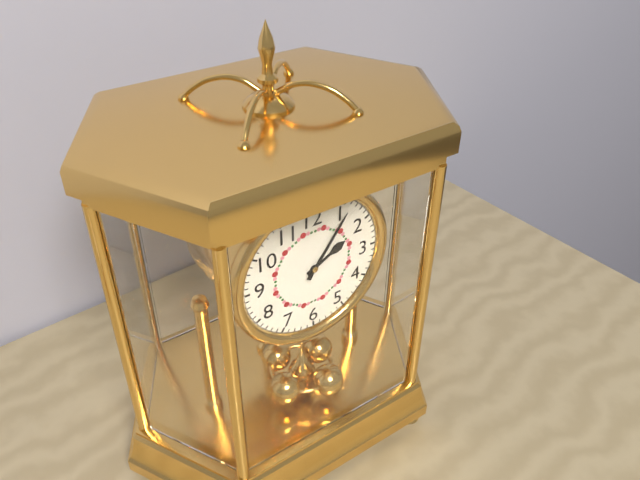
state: 2:06
